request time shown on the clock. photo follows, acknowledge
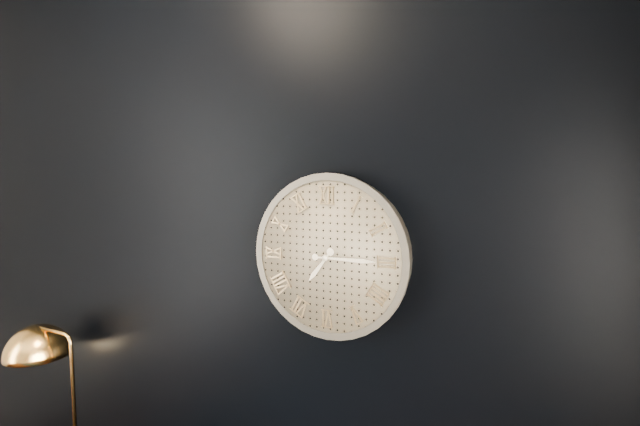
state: 7:15
